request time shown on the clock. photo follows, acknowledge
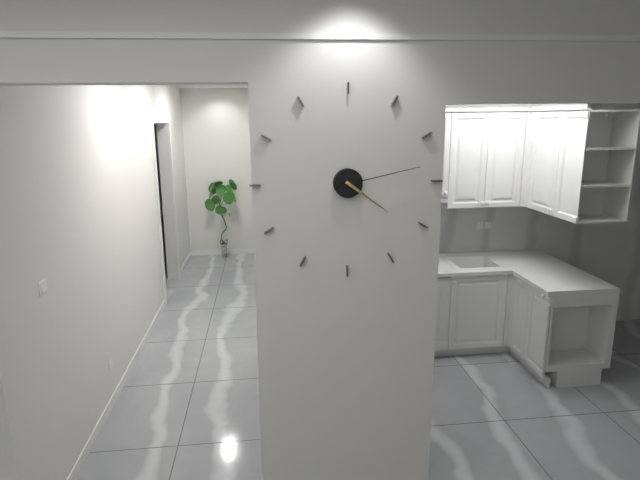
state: 4:13
